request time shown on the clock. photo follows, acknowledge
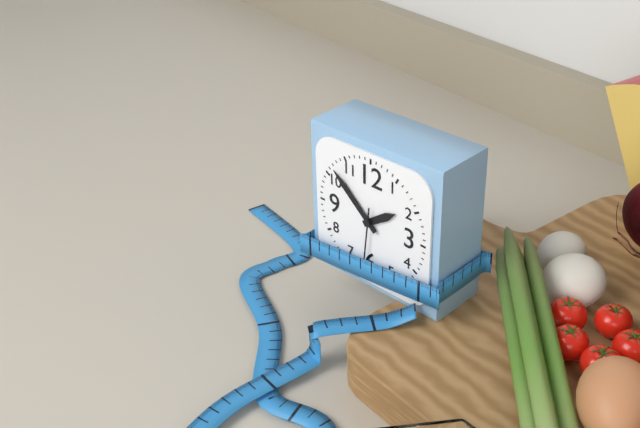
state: 1:52:31
